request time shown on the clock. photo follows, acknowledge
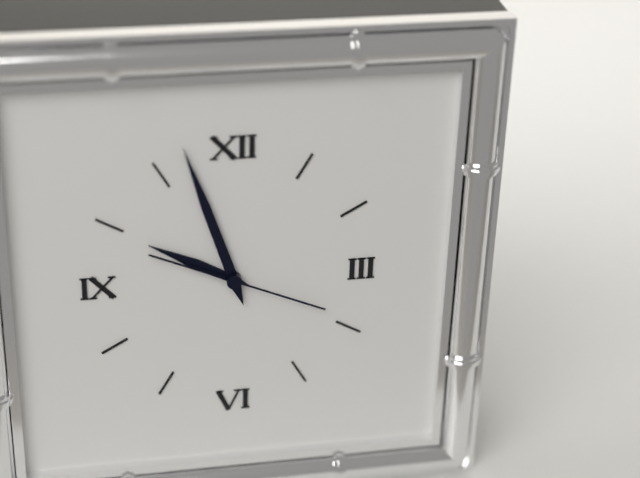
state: 9:57:19
